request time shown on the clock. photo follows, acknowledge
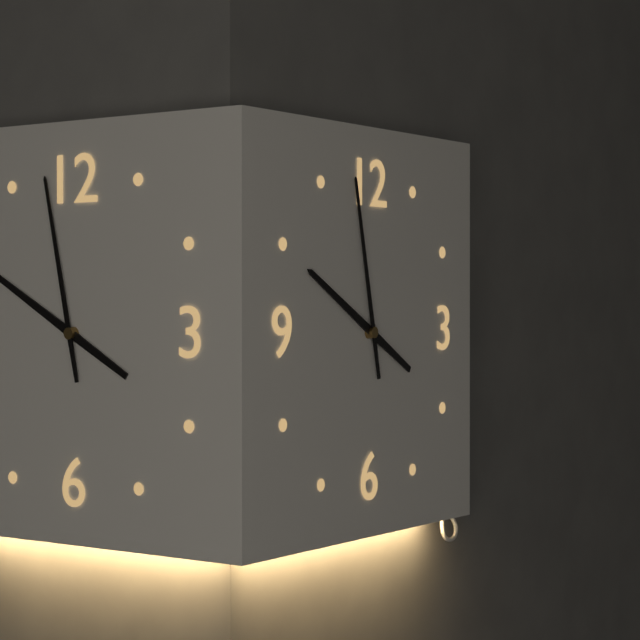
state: 9:58
